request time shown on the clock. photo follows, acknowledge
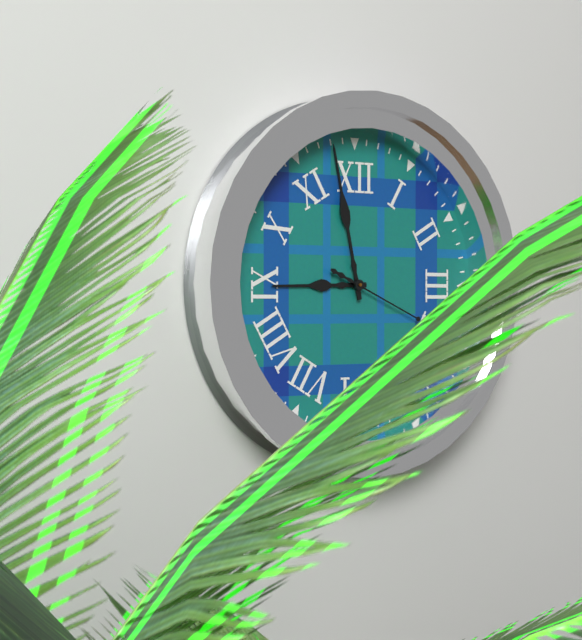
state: 8:58:19
